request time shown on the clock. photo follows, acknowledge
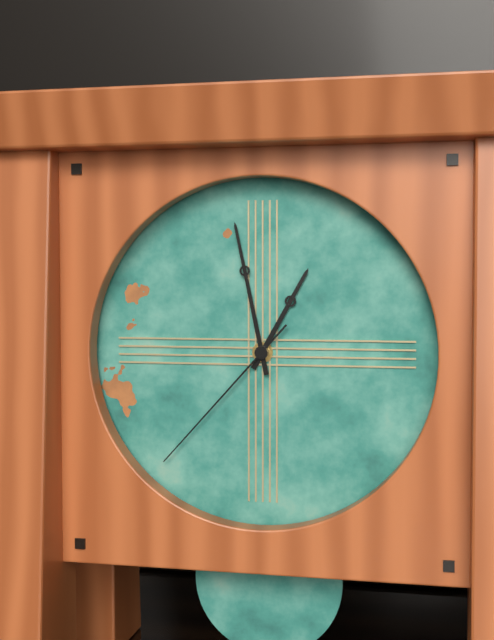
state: 12:58:37
